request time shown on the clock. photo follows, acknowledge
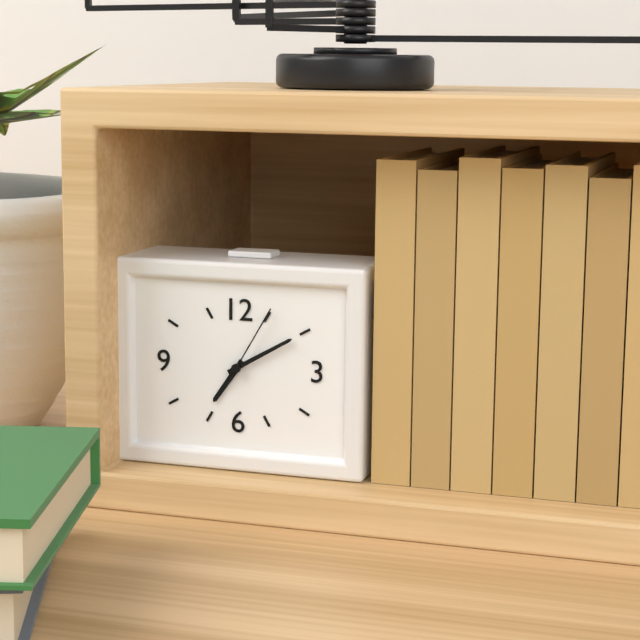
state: 7:10:05
